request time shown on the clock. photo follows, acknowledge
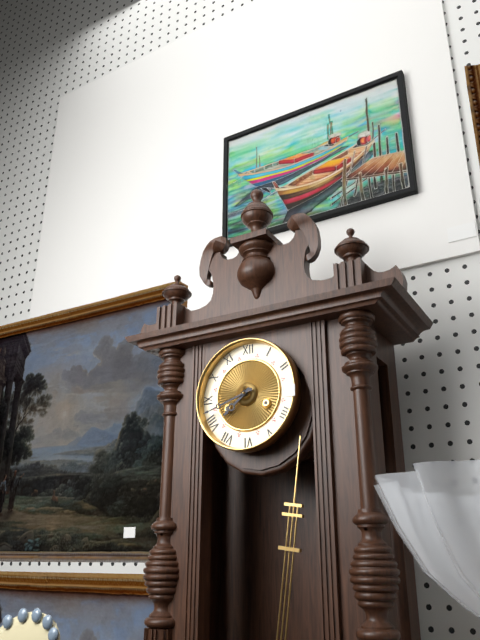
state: 7:42
